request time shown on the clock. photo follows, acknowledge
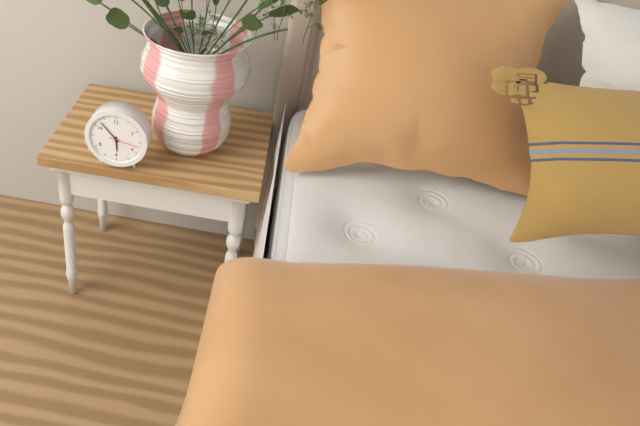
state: 5:53
